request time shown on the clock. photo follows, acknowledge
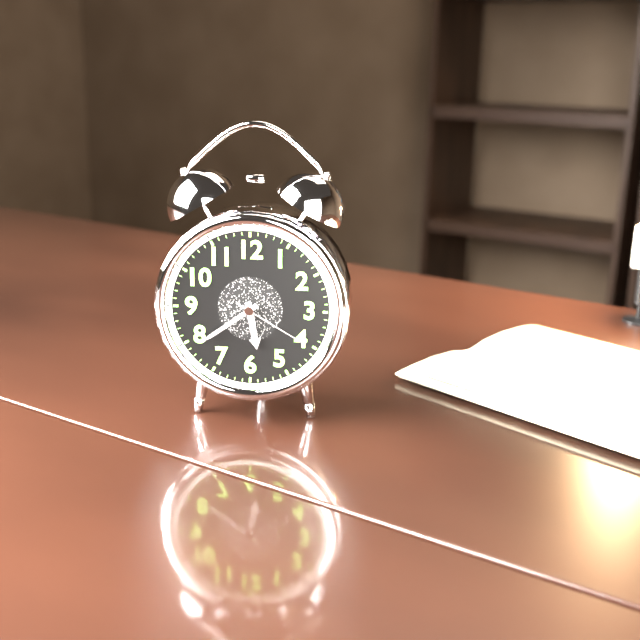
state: 5:39:20
